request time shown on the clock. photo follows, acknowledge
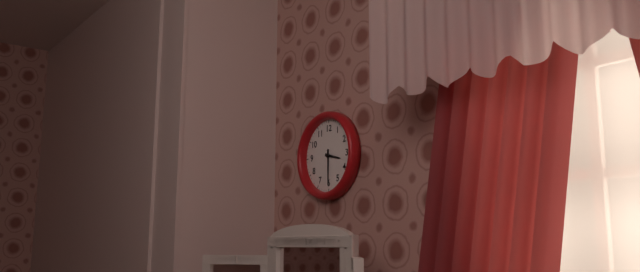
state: 3:30
